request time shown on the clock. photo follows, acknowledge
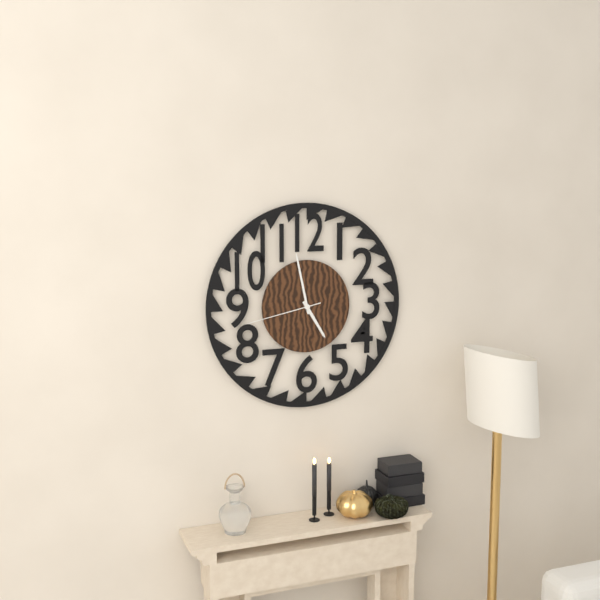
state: 4:58:43
